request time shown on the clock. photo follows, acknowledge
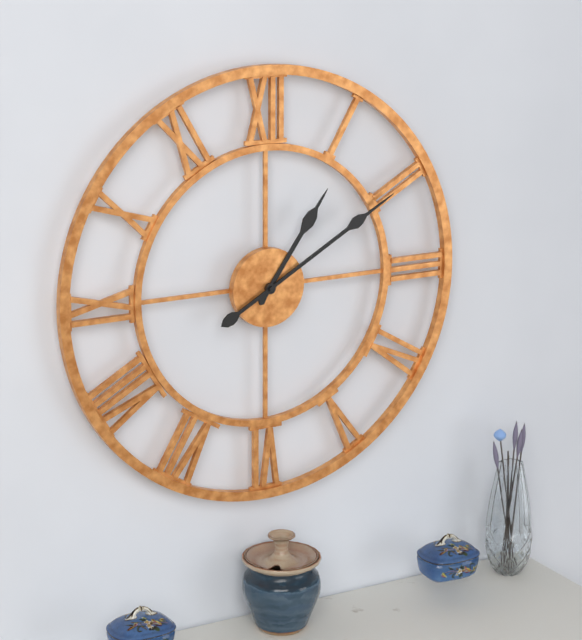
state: 1:10
